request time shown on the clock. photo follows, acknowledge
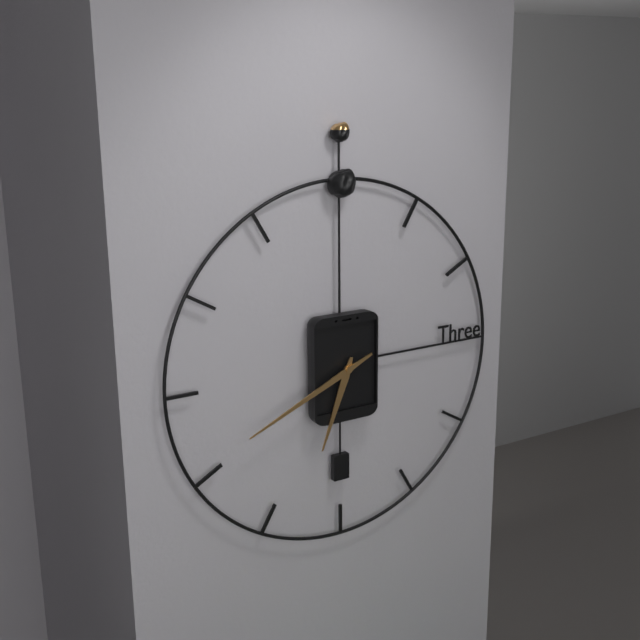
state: 6:41
